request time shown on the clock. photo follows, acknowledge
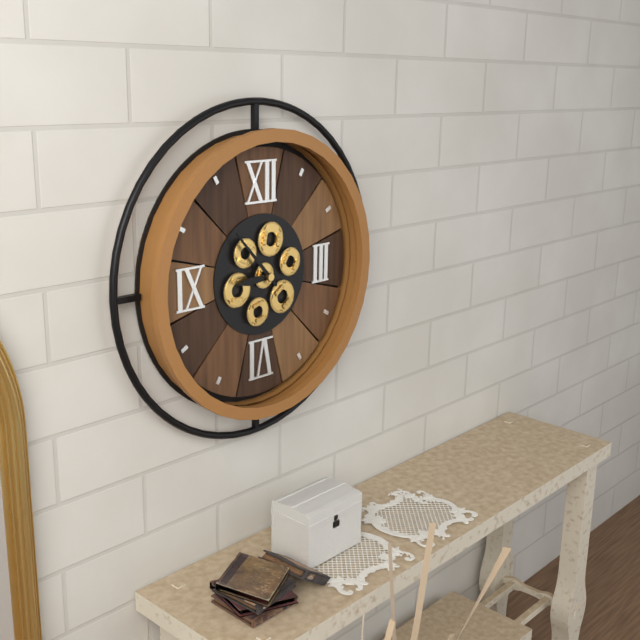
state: 8:53
